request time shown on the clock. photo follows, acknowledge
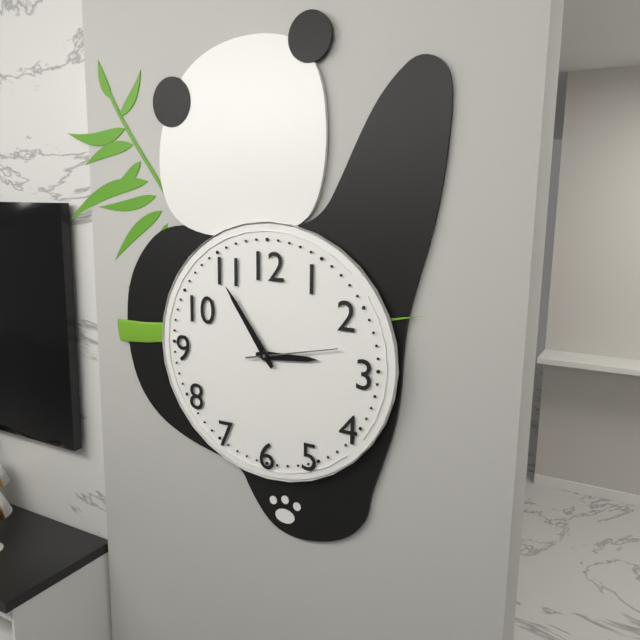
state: 2:54:13
